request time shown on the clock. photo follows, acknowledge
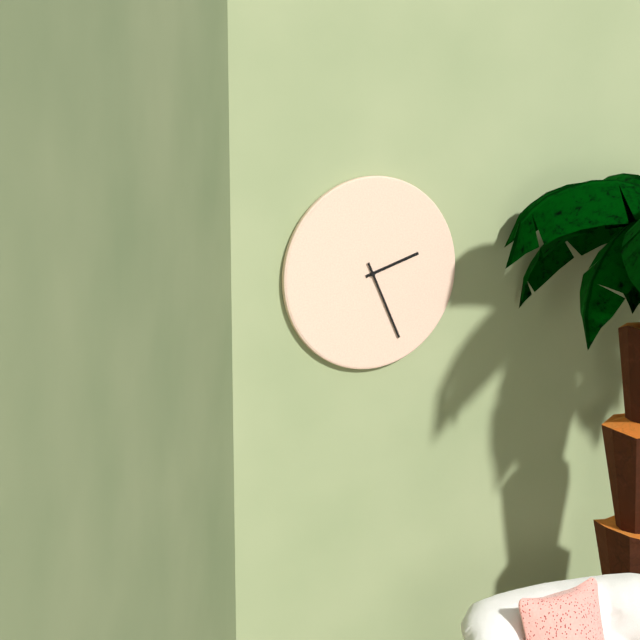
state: 2:26
